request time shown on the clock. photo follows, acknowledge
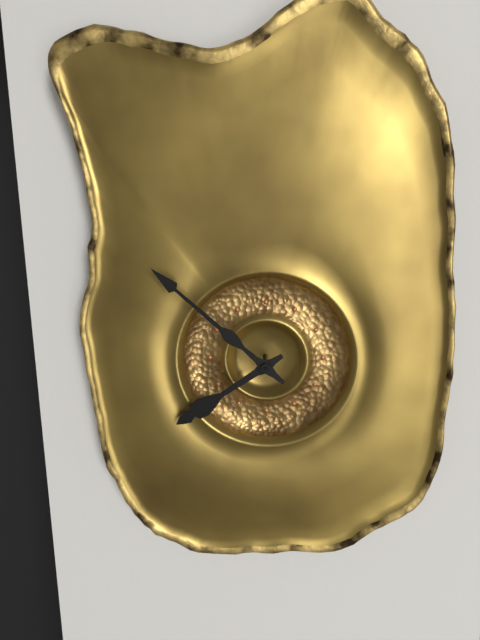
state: 7:52
